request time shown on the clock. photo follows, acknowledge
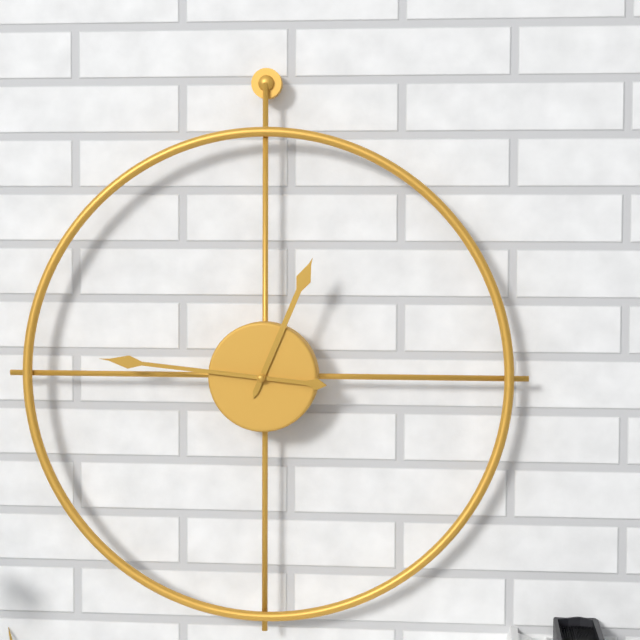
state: 12:46
